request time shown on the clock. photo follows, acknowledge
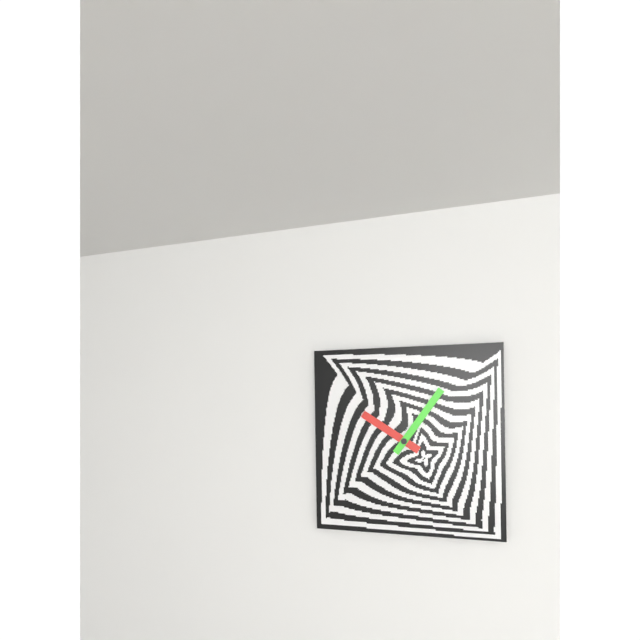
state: 10:06
